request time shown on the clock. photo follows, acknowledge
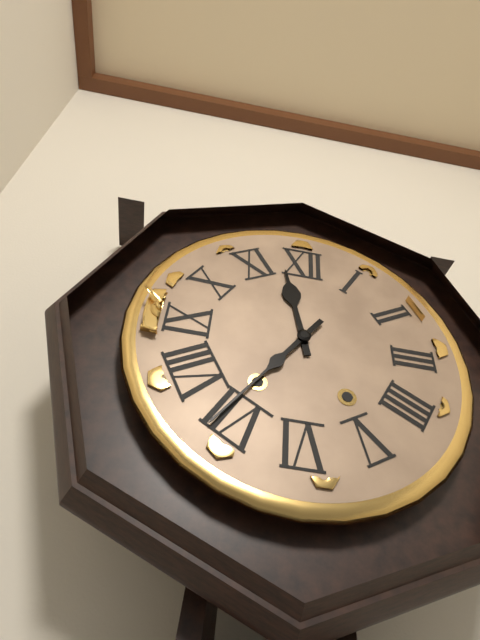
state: 11:36
